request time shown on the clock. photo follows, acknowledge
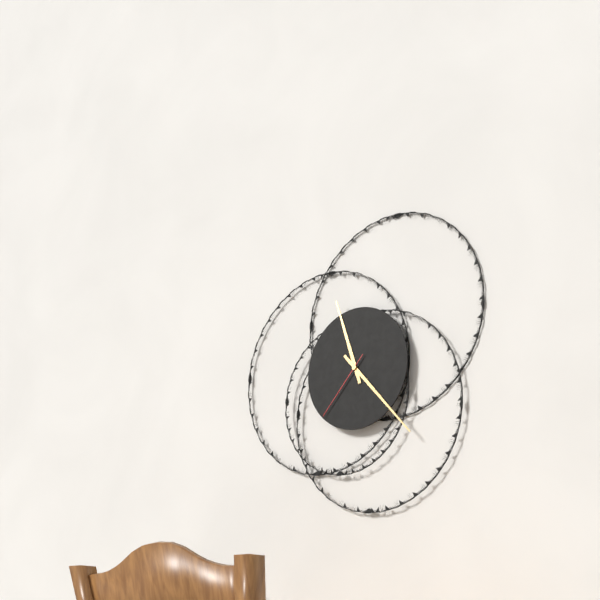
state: 11:23:37
